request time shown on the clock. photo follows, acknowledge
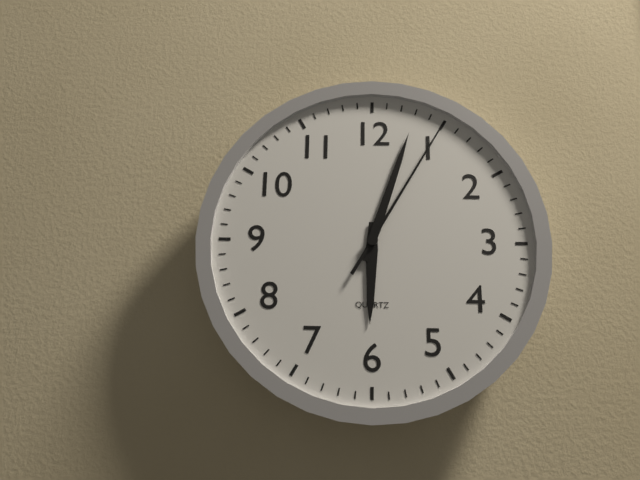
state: 6:03:05
